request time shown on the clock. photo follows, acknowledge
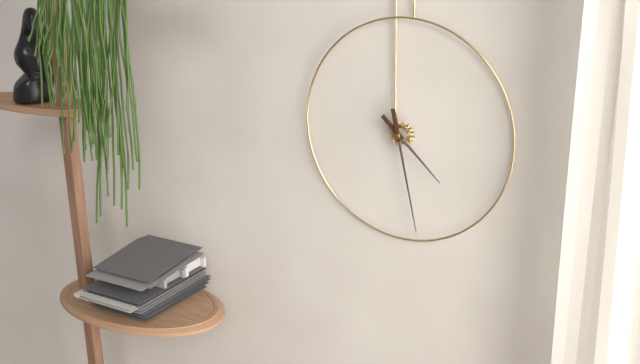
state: 4:28
